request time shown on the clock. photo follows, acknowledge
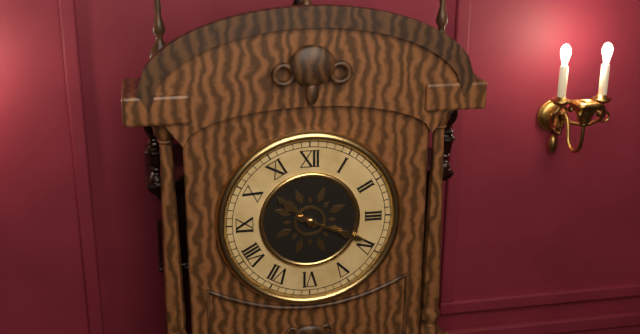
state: 10:19
